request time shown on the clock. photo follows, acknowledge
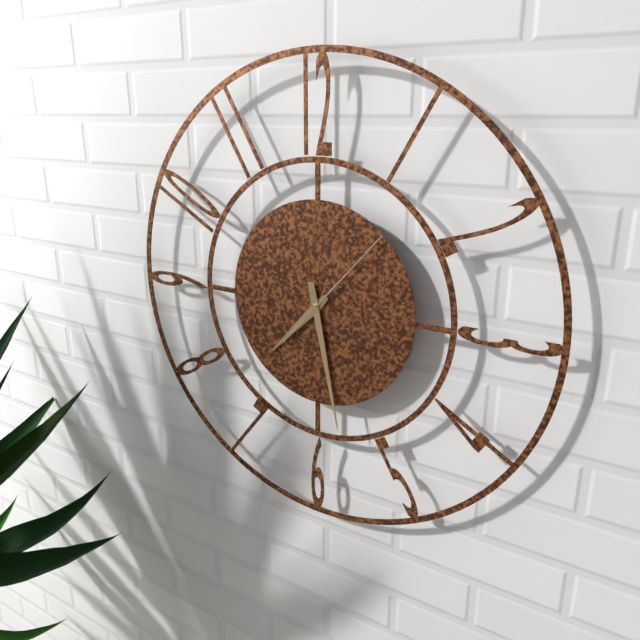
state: 7:28:07
